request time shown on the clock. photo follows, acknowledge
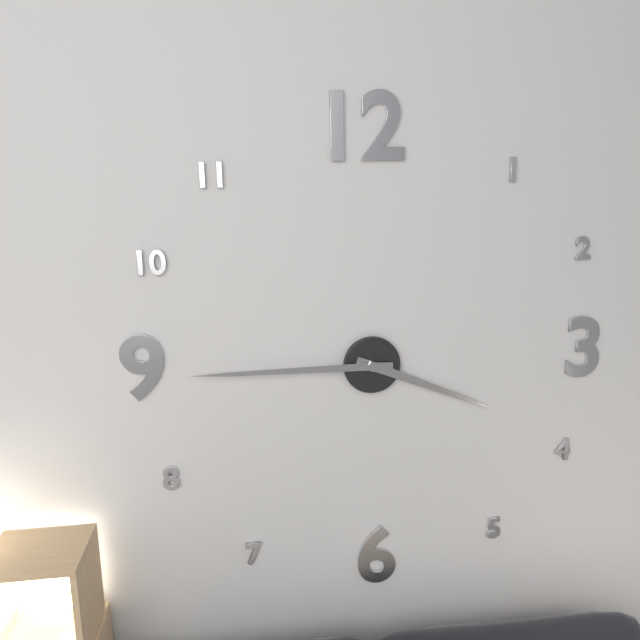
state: 3:45
